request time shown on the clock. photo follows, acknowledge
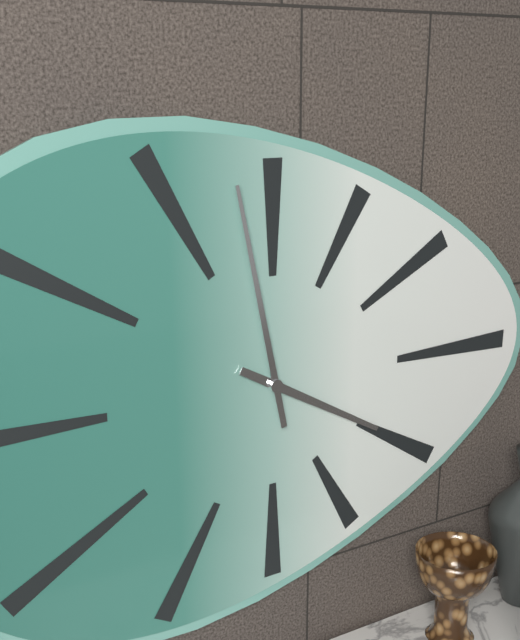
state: 3:58
